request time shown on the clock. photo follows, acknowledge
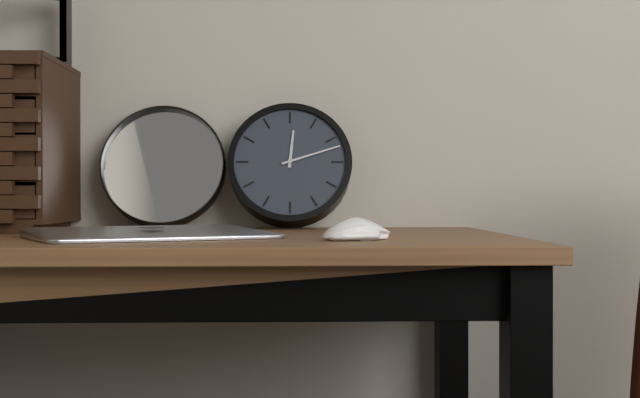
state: 12:12
